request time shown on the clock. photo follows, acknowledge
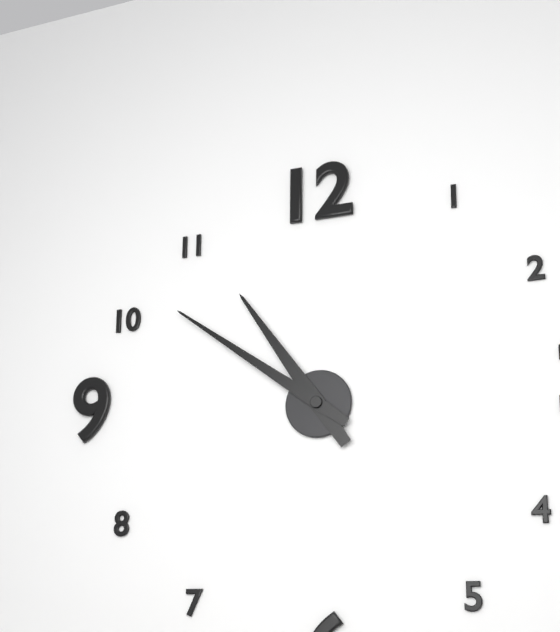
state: 10:51
